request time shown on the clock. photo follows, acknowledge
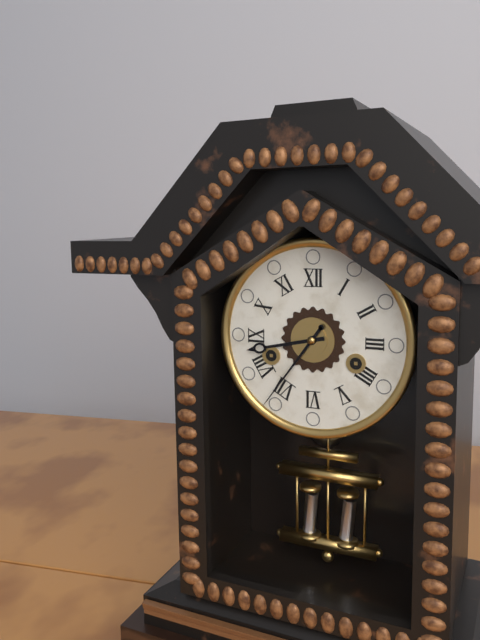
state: 8:36
